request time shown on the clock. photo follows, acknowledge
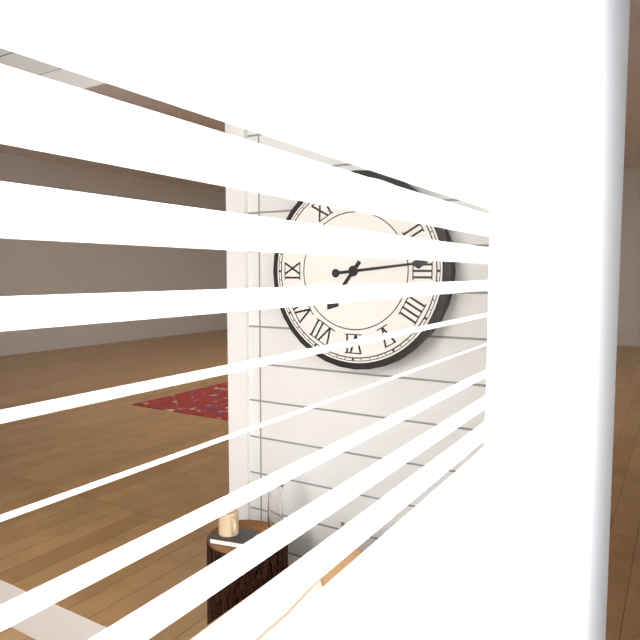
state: 7:14
